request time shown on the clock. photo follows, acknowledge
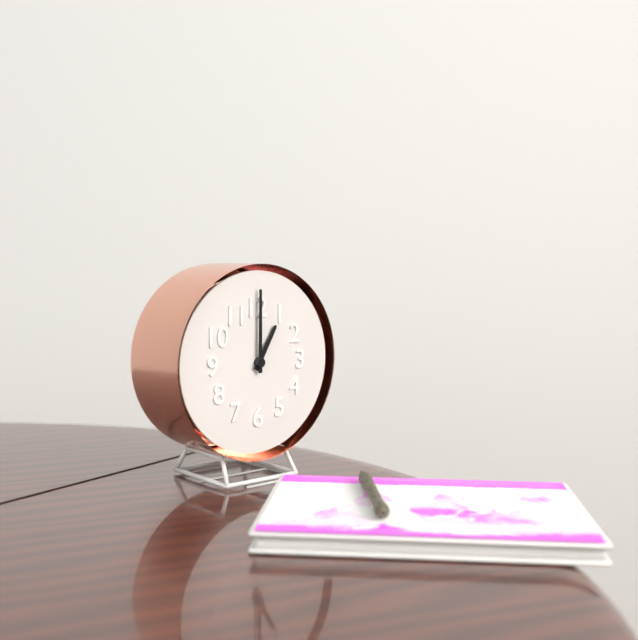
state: 1:00
